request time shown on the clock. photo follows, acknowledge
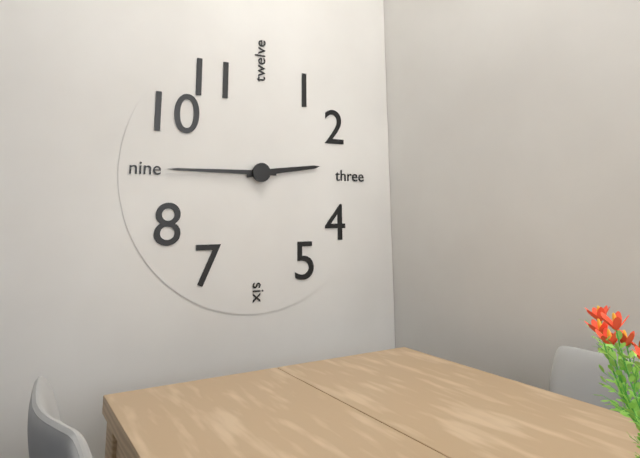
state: 2:45
